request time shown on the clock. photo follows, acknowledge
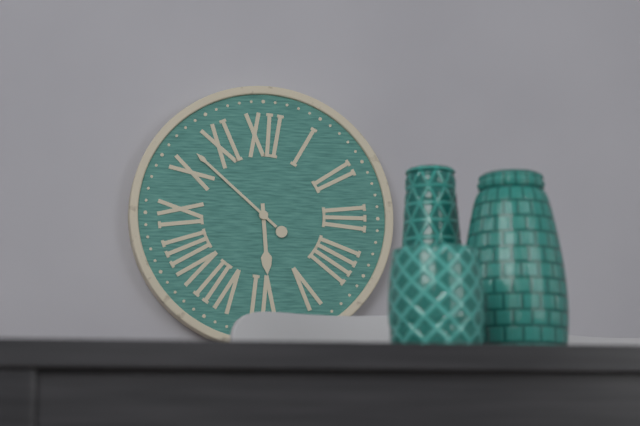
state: 5:52
